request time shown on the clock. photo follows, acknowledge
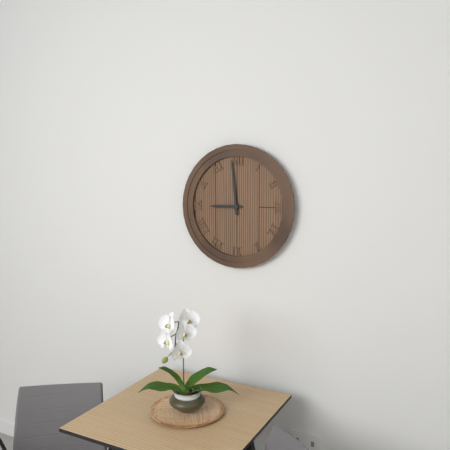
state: 8:59
